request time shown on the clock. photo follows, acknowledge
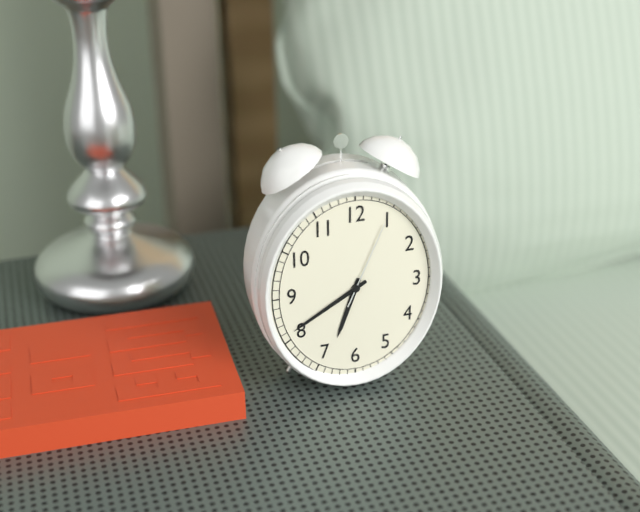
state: 6:40:04
